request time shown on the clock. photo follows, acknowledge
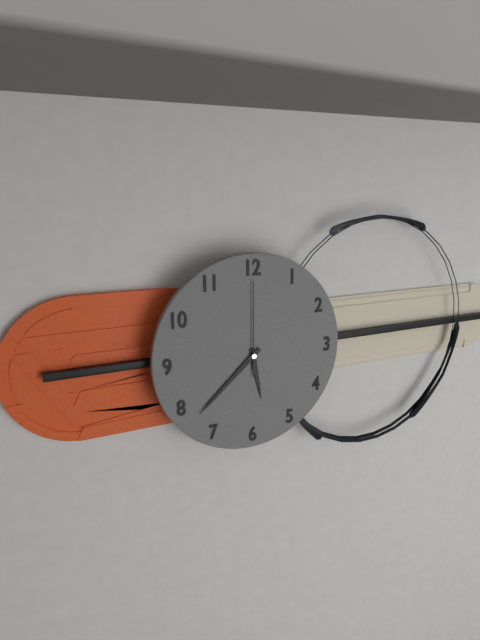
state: 5:38:00
